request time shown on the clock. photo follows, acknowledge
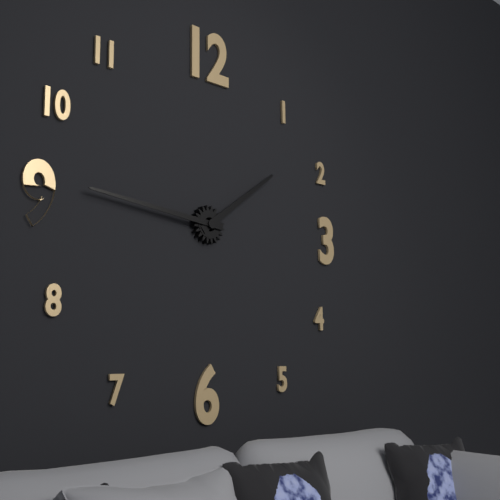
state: 1:46
